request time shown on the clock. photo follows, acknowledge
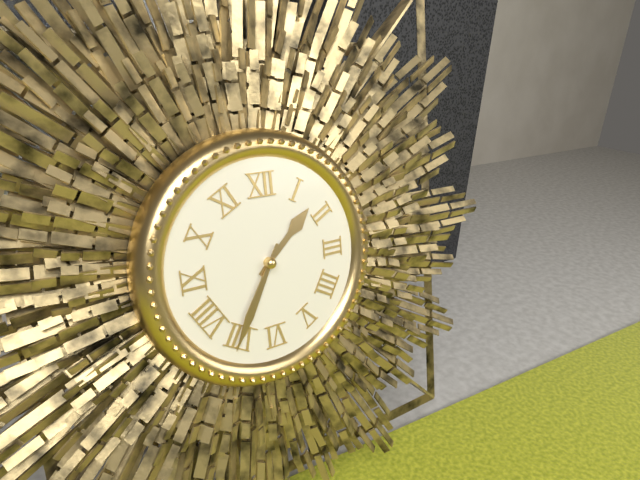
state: 1:35
